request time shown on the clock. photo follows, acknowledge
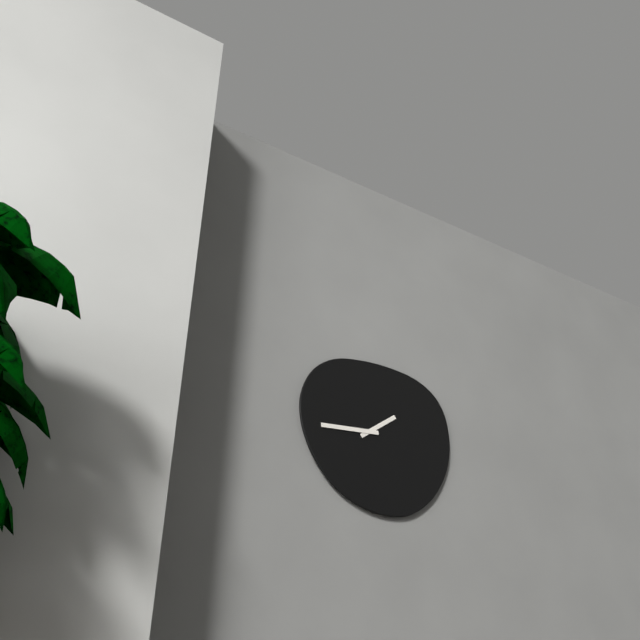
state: 1:44
